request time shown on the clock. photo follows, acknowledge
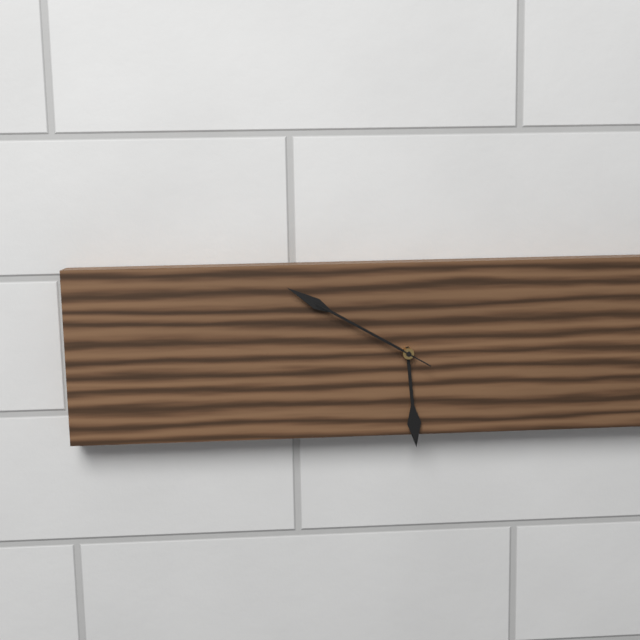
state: 5:50:50
